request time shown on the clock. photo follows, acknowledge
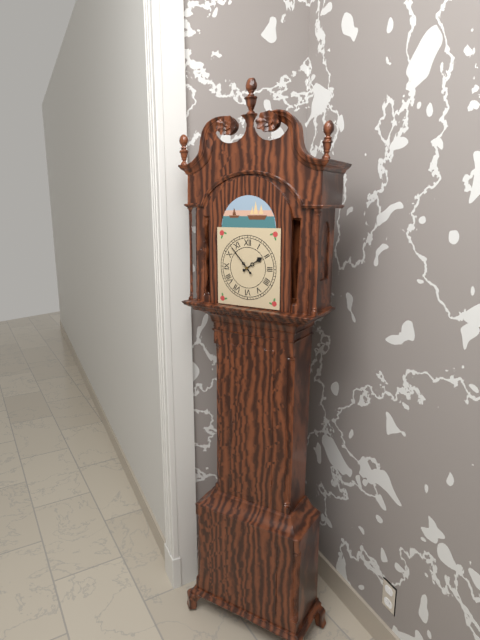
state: 1:53
